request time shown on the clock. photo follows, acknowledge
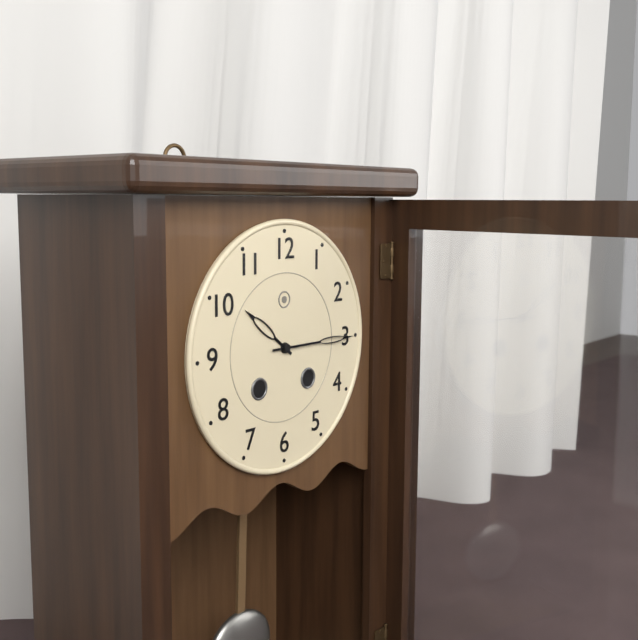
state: 10:15
